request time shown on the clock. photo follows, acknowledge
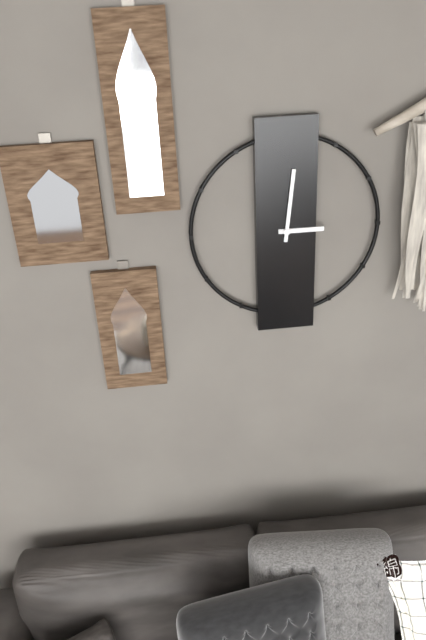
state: 3:01
